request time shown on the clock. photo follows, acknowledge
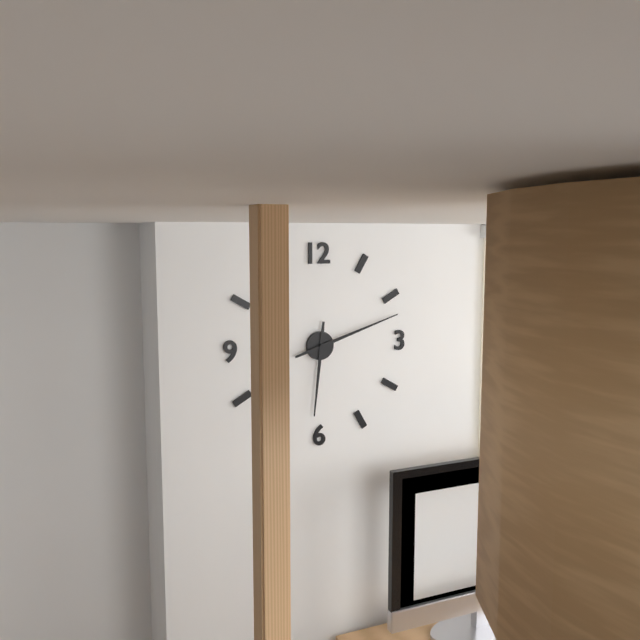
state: 6:12
